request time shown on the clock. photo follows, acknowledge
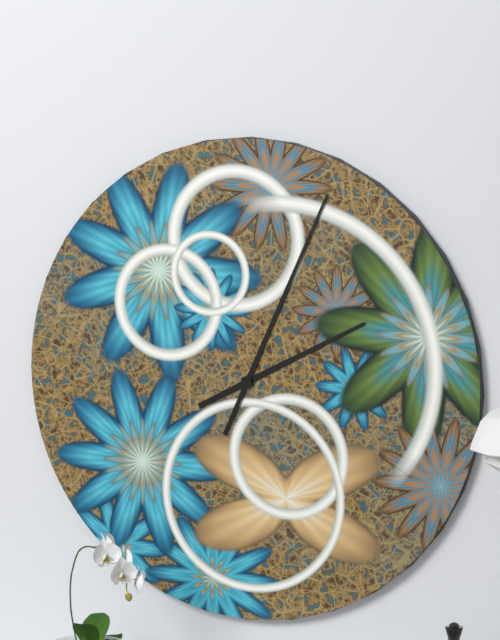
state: 2:04
